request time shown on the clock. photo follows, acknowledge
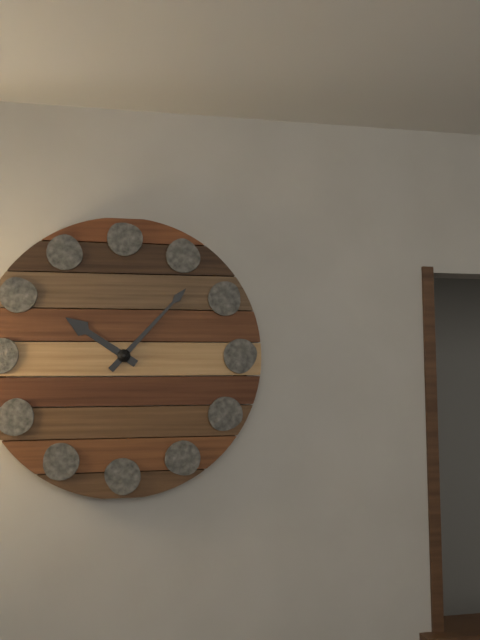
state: 10:07
